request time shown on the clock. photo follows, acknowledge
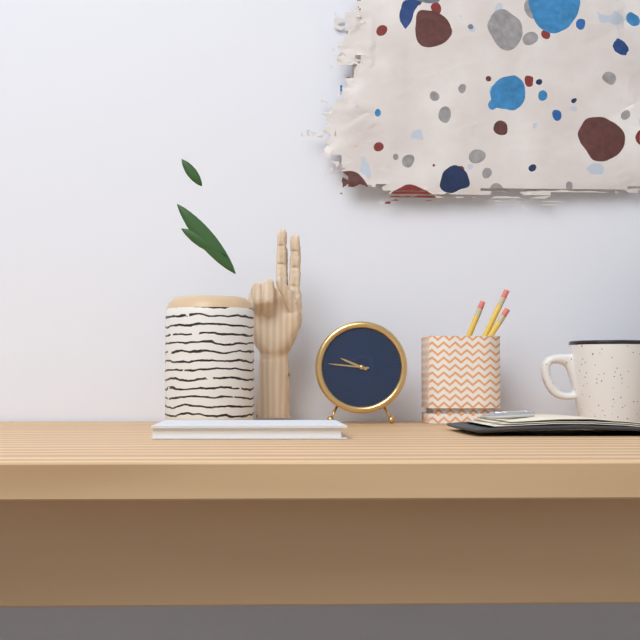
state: 9:46
